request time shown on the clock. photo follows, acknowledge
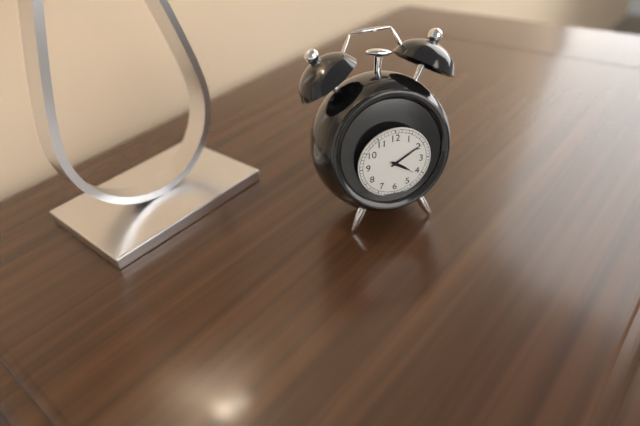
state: 4:10
